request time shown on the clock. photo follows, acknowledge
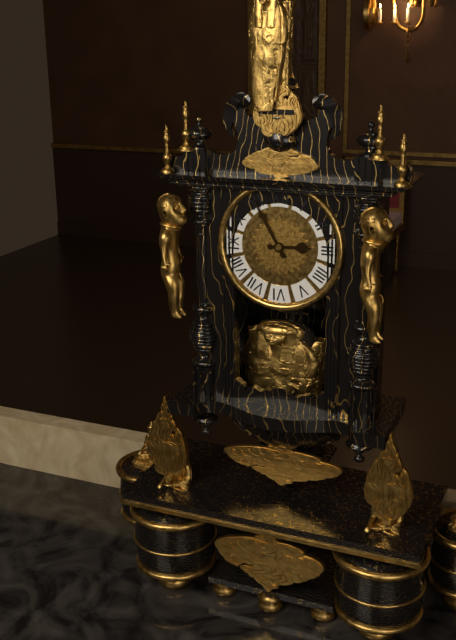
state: 2:55
